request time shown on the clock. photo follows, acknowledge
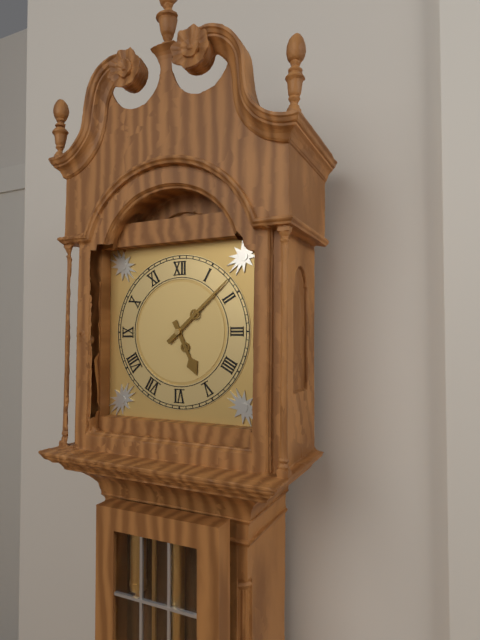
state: 5:08
